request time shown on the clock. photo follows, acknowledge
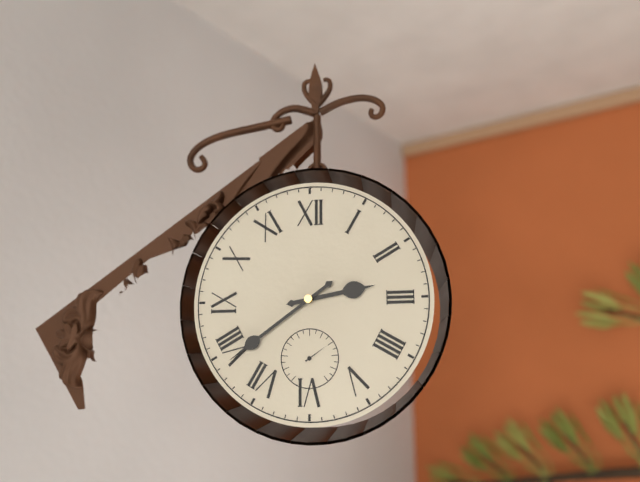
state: 2:39
